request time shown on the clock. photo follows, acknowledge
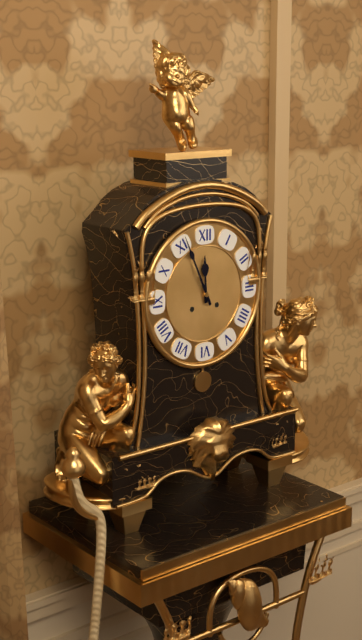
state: 11:56
